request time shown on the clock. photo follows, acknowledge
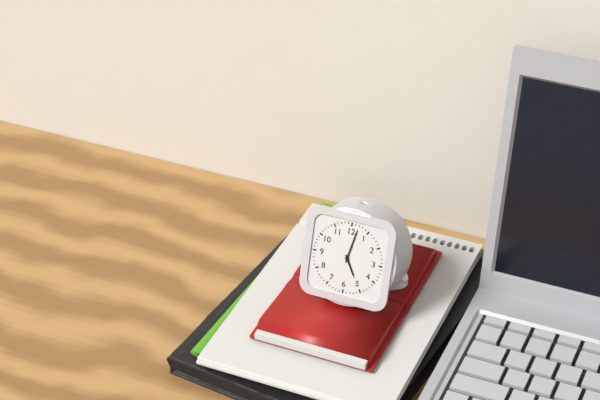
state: 5:02
